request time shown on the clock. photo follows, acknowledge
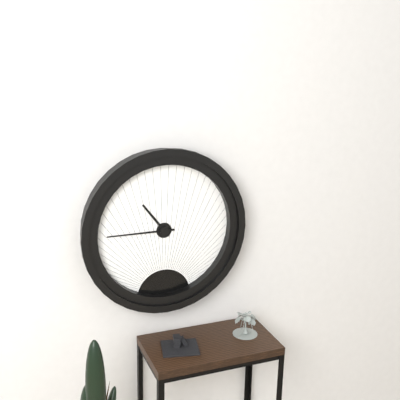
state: 10:45
